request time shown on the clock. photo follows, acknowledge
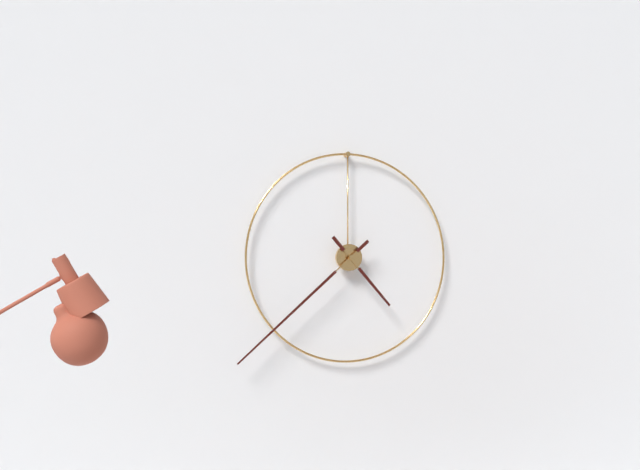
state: 4:38
